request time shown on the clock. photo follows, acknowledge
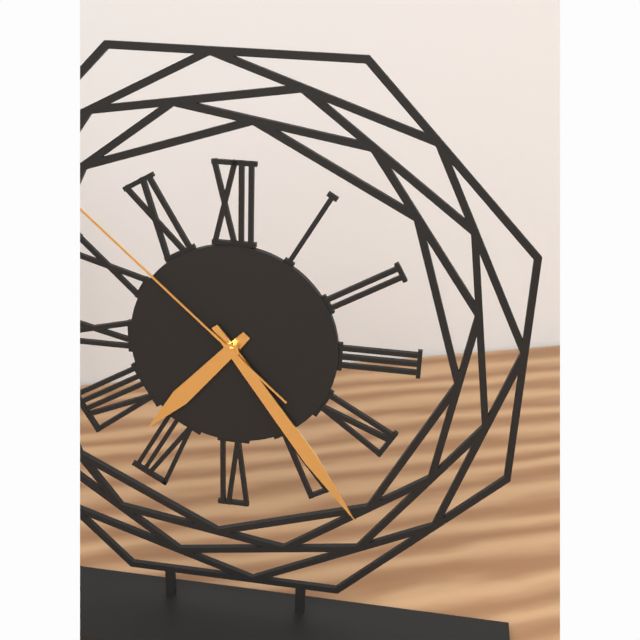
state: 7:24:52
